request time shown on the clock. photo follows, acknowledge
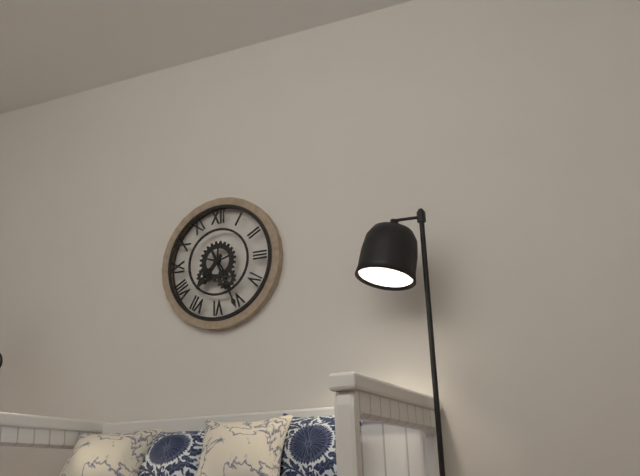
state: 7:26
